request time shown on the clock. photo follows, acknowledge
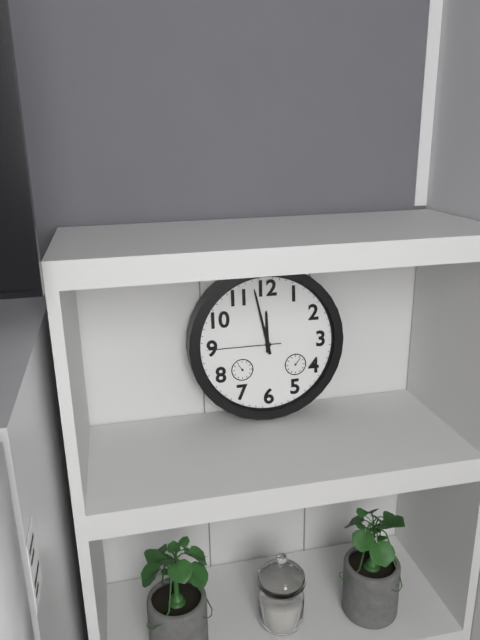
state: 11:58:45
